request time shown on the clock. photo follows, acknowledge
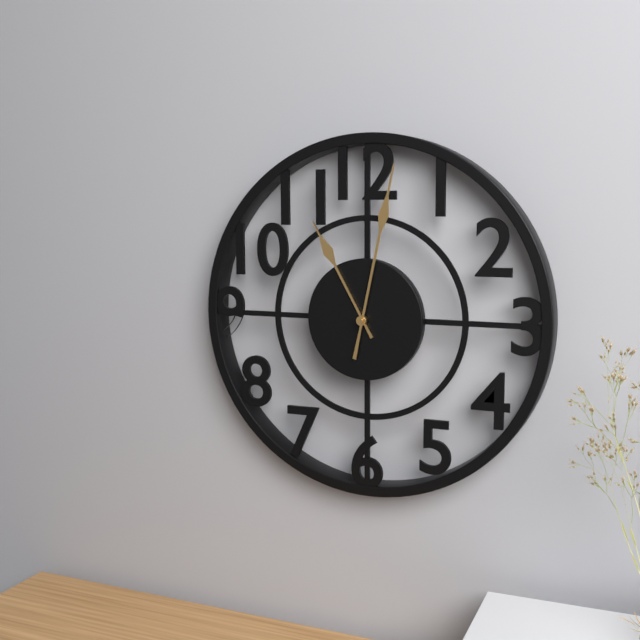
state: 11:02
